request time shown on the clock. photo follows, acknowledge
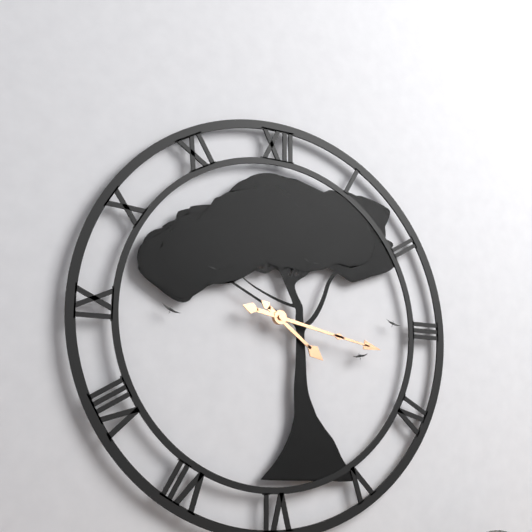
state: 4:17
